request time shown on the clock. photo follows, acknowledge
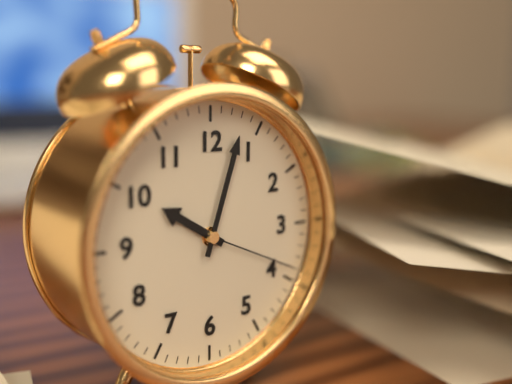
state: 10:03:19
